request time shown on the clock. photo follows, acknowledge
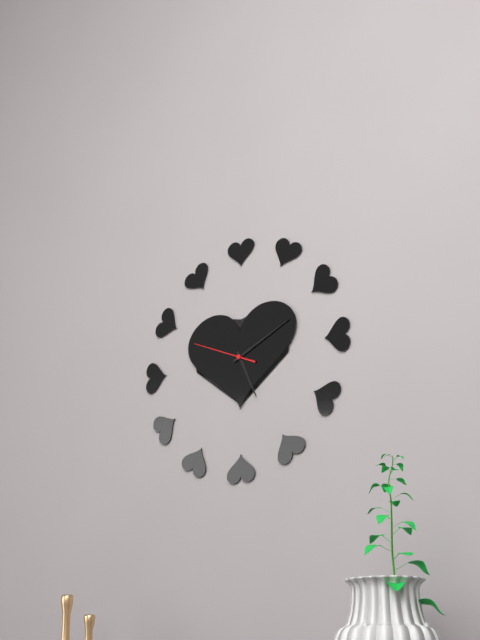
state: 5:11:49
